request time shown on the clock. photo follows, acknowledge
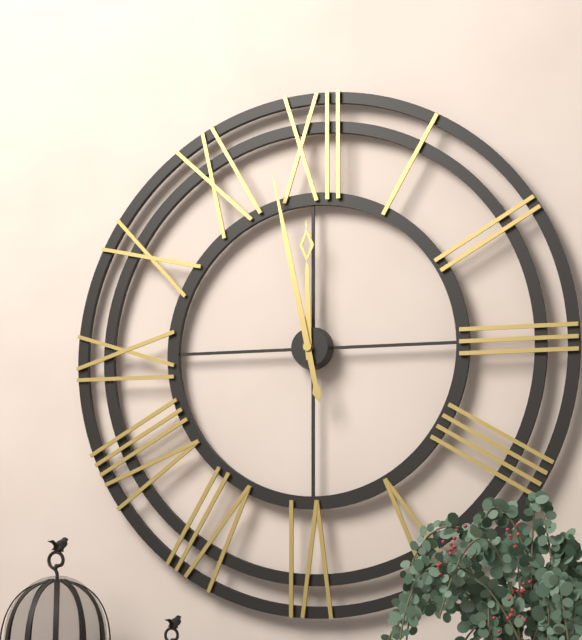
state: 11:58
